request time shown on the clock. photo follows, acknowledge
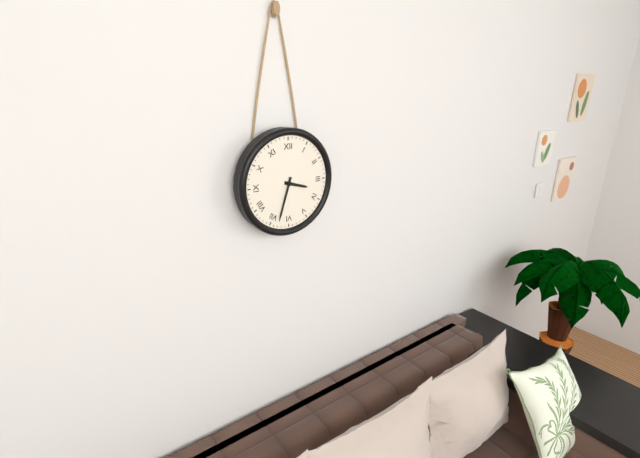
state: 3:33
